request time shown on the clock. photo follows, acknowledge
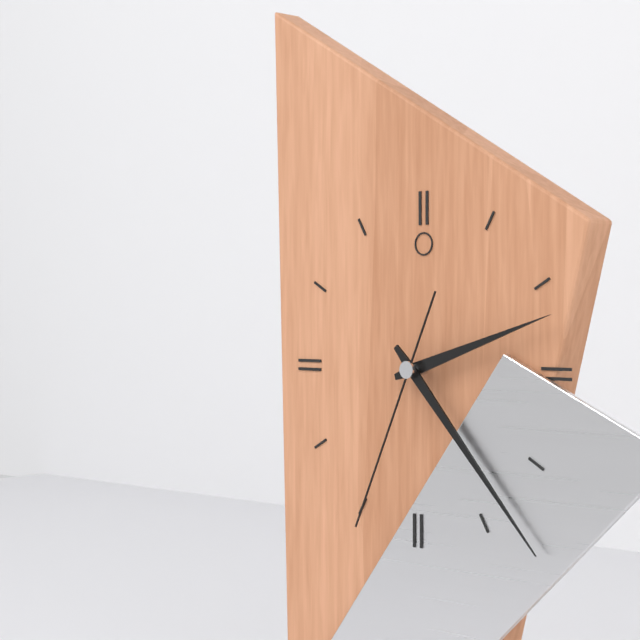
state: 2:23:34
